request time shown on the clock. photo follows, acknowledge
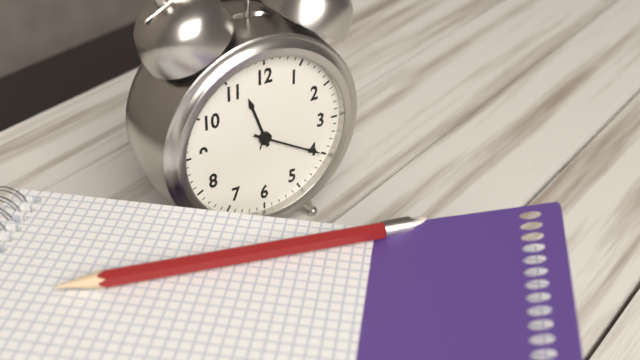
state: 11:20
